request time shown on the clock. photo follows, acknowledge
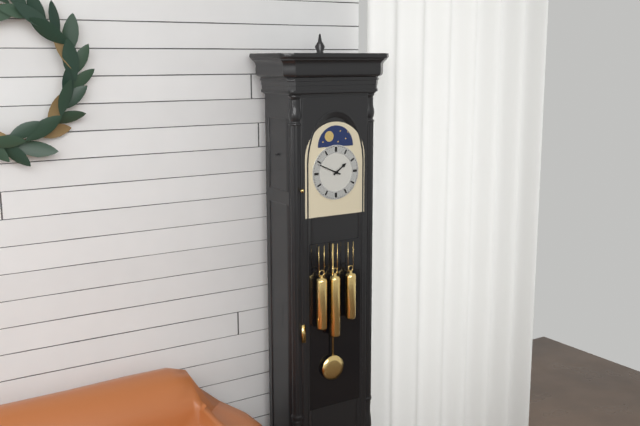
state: 1:49
